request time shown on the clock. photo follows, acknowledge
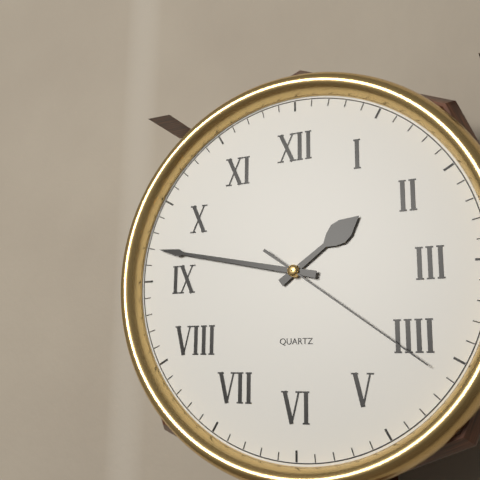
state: 1:47:21
